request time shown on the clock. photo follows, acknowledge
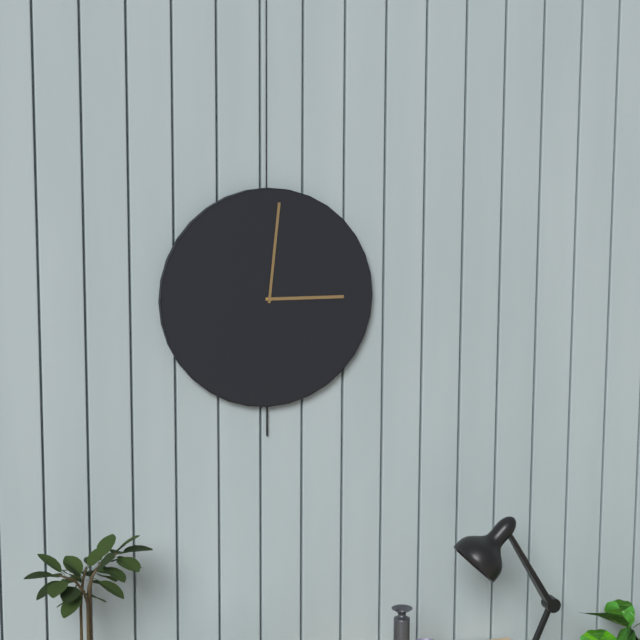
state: 3:01
